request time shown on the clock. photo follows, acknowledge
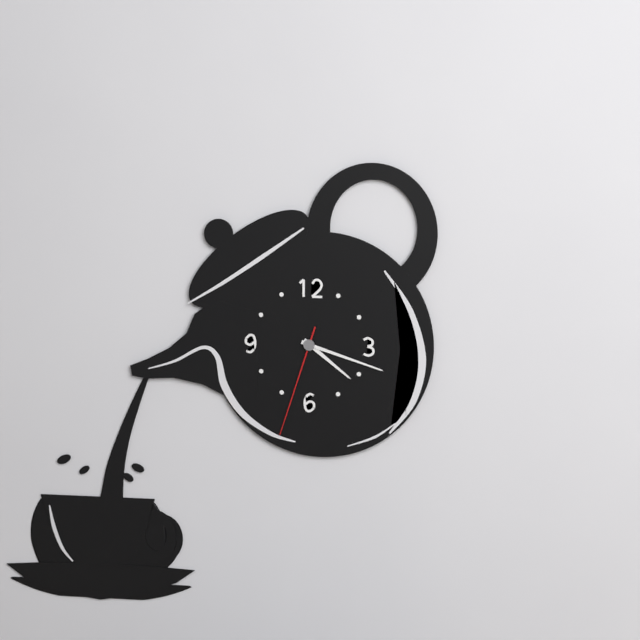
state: 4:18:33
